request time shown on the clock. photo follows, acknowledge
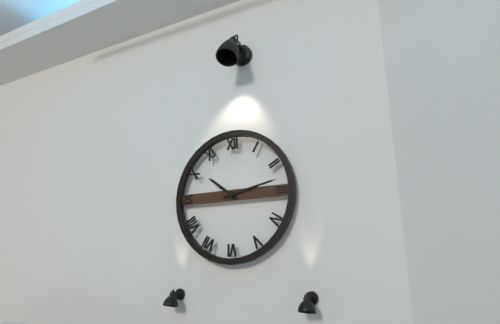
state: 10:13
